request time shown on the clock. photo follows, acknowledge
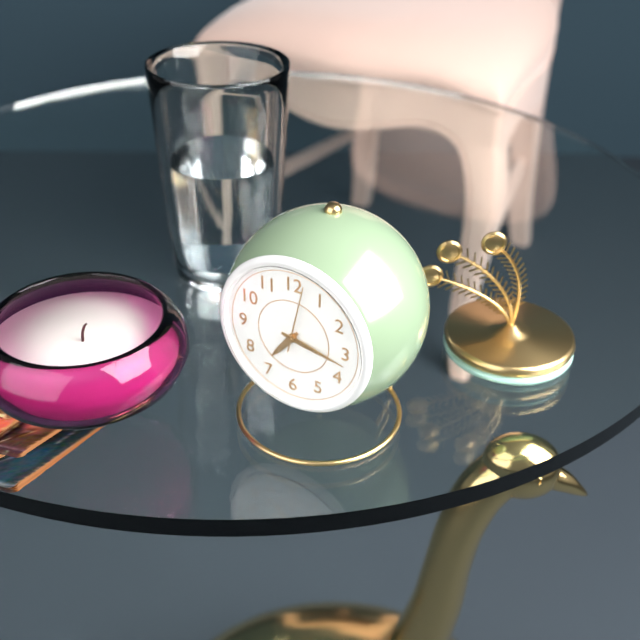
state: 7:17:02
